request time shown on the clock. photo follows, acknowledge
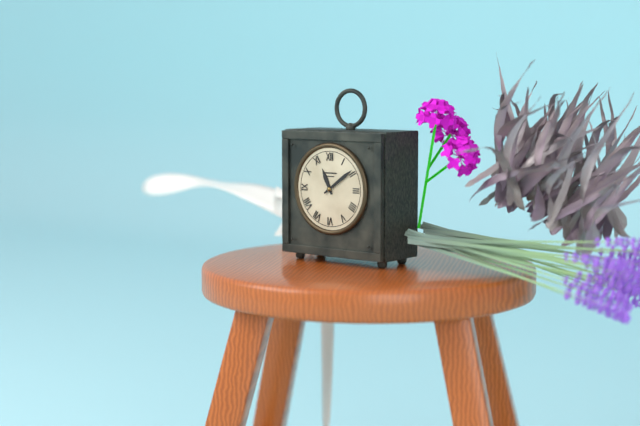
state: 11:09
